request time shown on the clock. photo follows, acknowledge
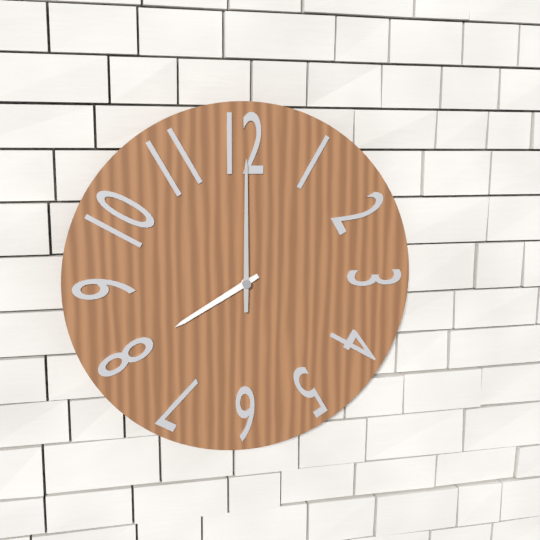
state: 8:00
